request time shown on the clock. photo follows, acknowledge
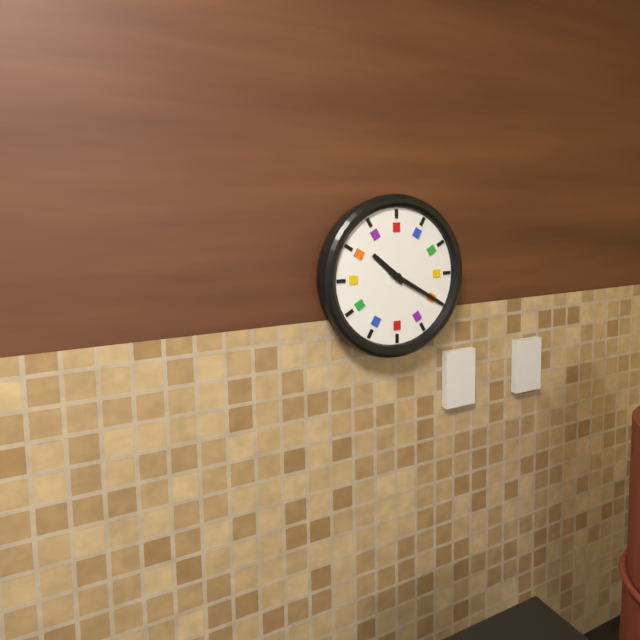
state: 10:20
